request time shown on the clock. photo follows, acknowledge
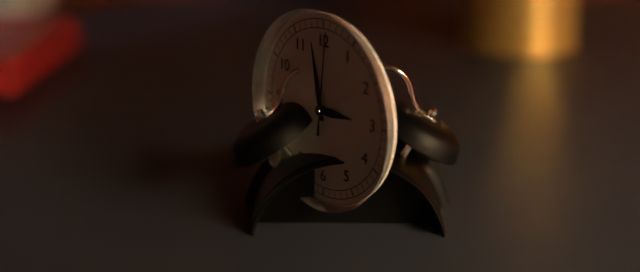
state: 2:58:01
